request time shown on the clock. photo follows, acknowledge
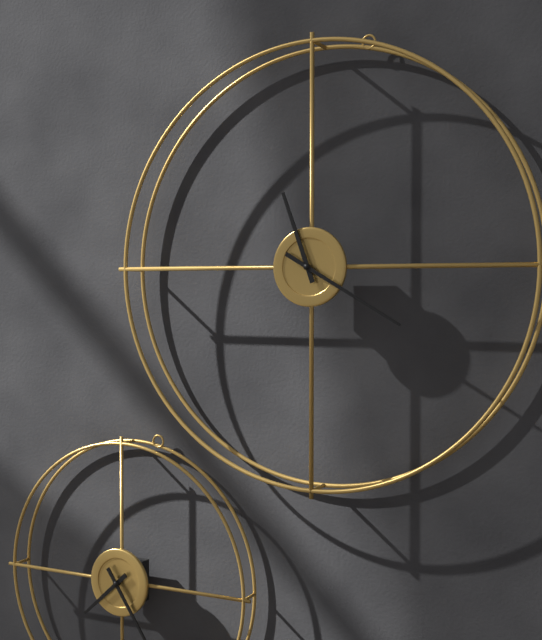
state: 11:20
